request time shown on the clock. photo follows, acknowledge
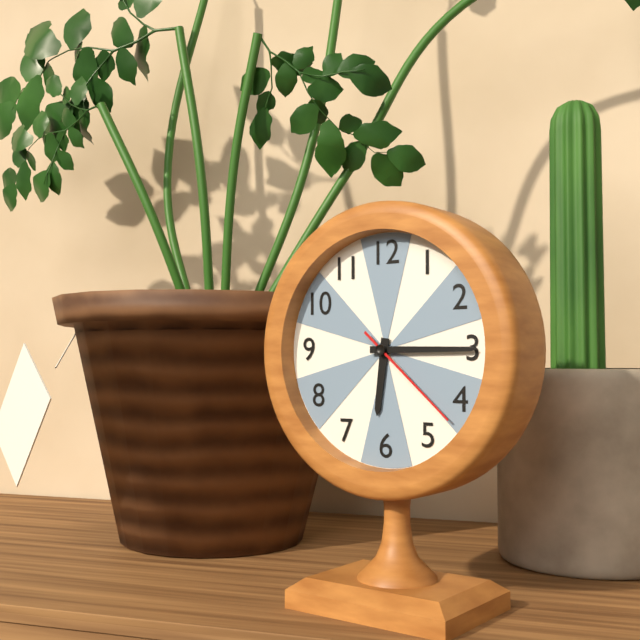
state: 6:15:22
